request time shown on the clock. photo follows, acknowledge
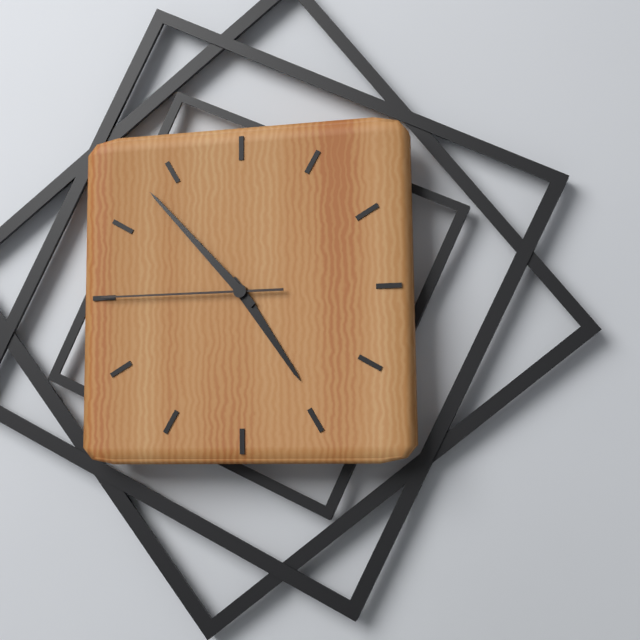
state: 4:53:45
